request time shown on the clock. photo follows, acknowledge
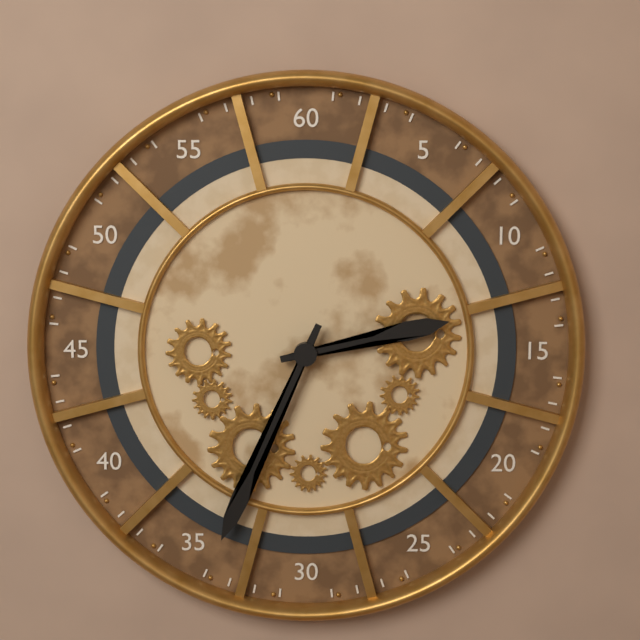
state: 2:34
